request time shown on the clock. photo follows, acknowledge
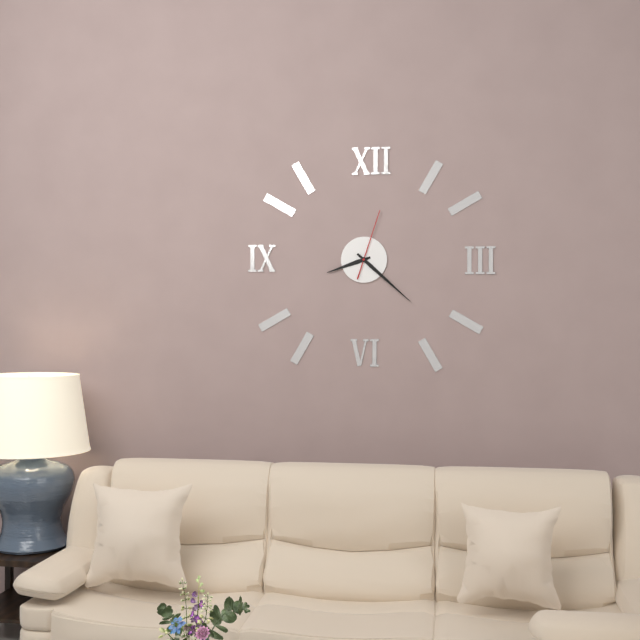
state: 8:22:03
